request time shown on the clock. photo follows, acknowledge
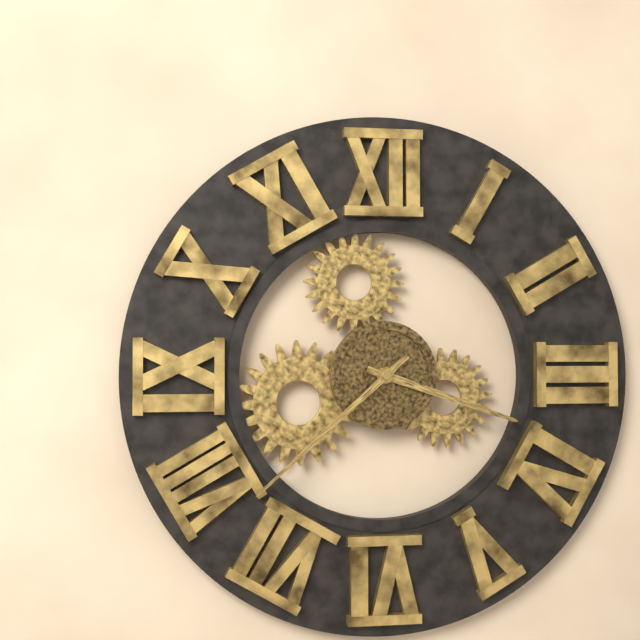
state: 3:38
